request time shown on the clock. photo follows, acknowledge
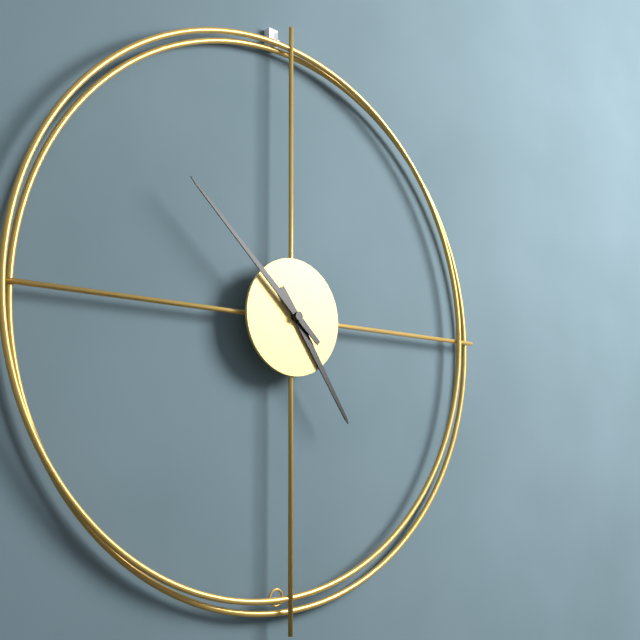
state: 4:52
